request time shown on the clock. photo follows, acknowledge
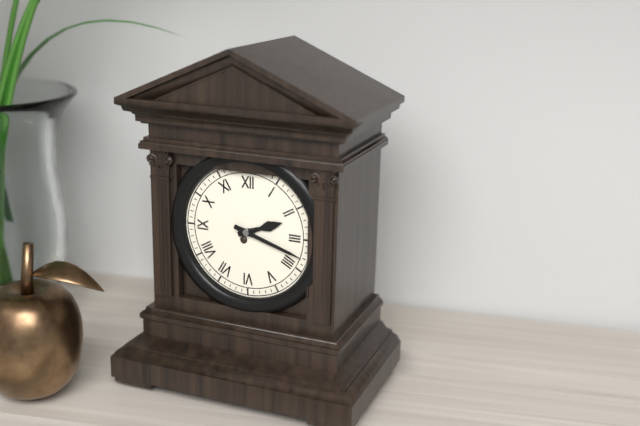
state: 2:18
